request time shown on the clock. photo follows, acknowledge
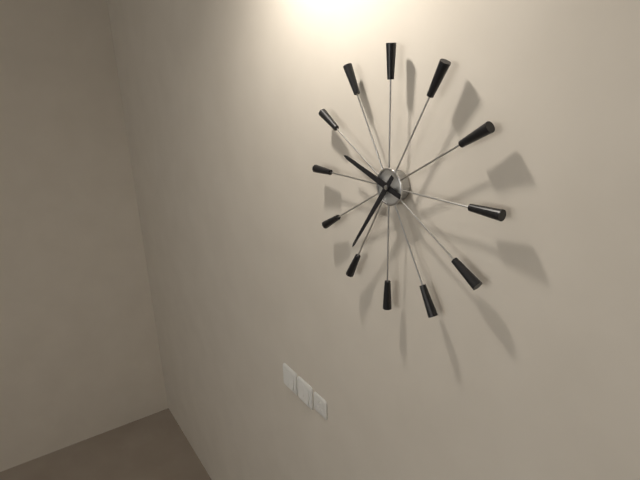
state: 9:36
